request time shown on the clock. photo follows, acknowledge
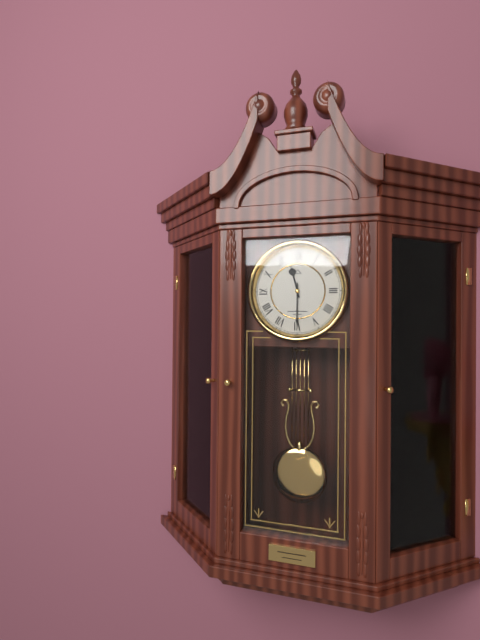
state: 11:30
